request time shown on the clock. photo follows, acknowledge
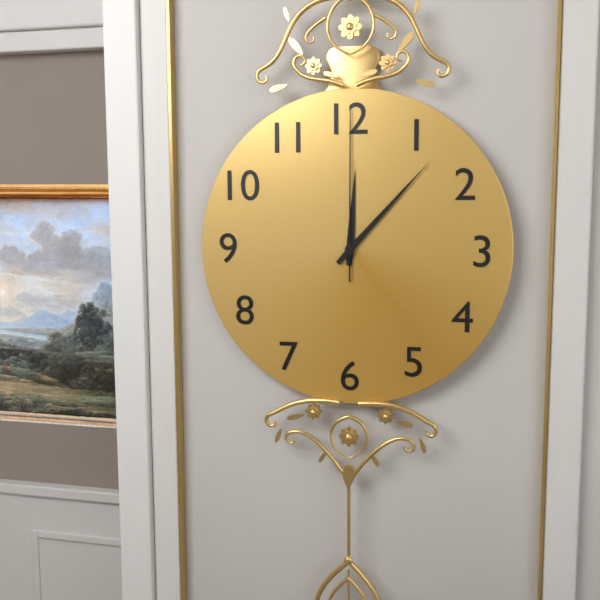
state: 12:07:00
